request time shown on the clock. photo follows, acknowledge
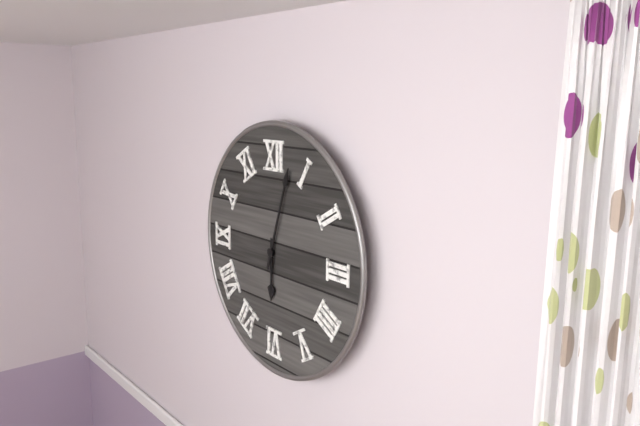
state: 6:03
